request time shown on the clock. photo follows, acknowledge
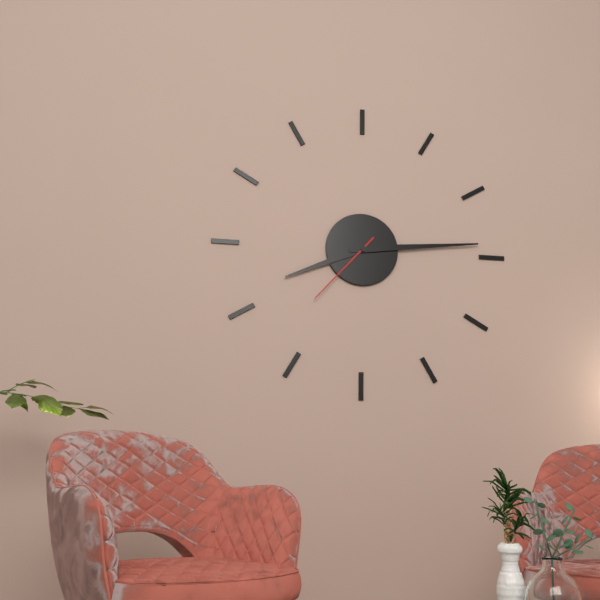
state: 8:14:37
